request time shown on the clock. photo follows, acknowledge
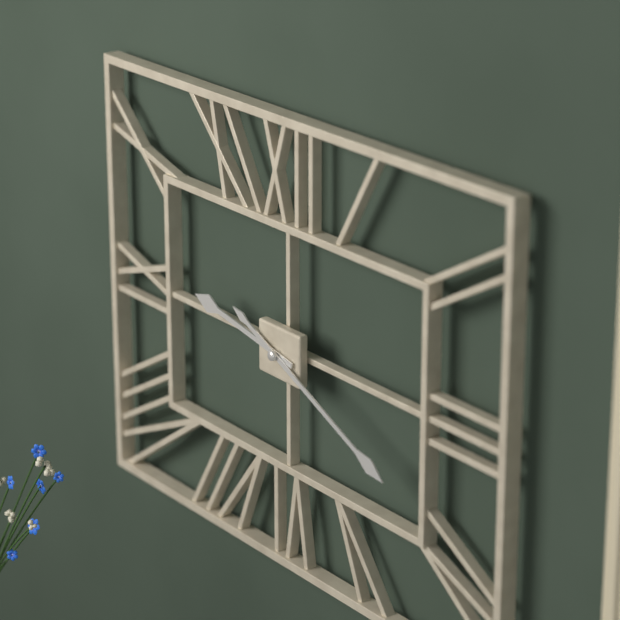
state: 9:19
